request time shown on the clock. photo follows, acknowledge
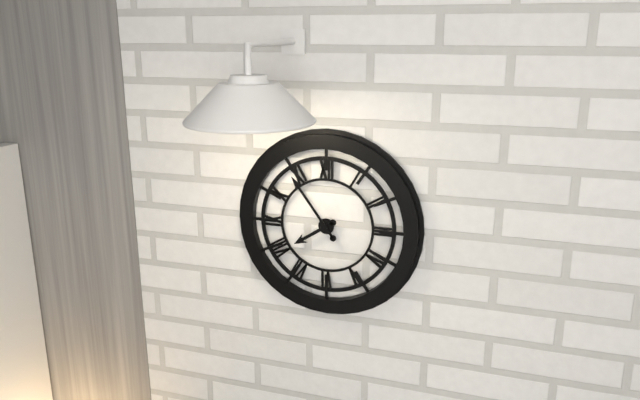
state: 7:54
